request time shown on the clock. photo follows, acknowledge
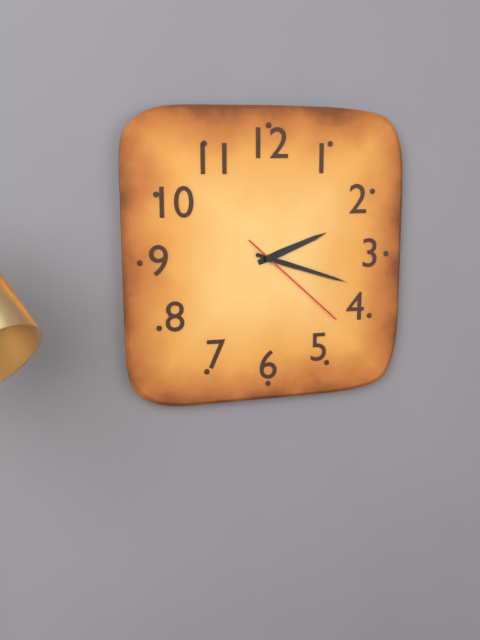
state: 2:18:22
